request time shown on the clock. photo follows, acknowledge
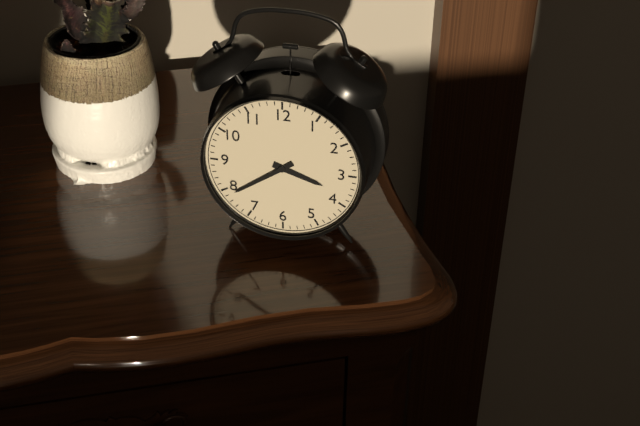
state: 3:39
